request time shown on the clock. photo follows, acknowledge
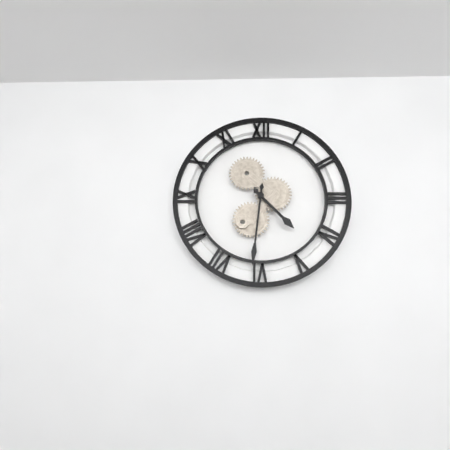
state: 4:31
